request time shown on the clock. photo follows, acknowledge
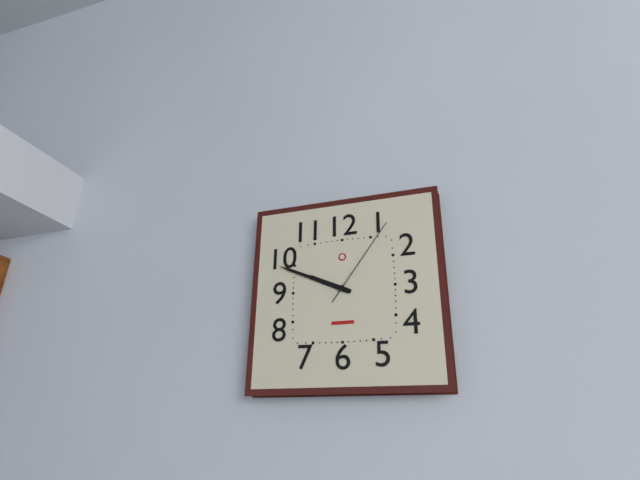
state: 9:49:06
